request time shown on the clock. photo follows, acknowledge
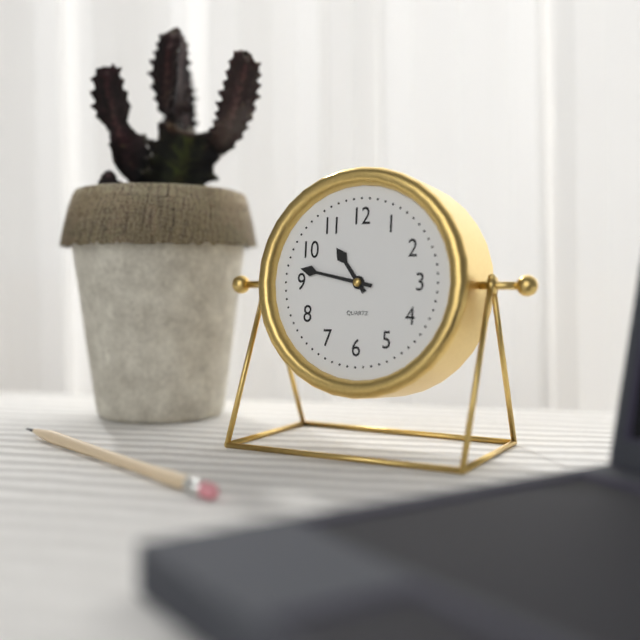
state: 10:47
